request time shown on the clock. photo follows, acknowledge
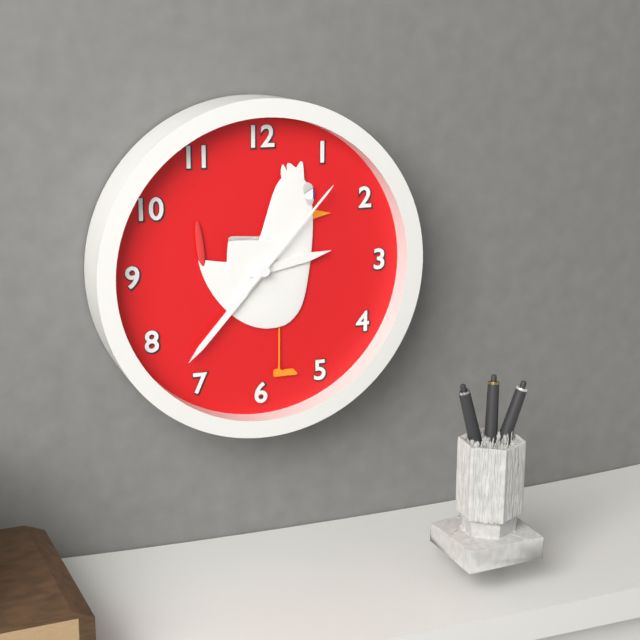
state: 2:37:07
